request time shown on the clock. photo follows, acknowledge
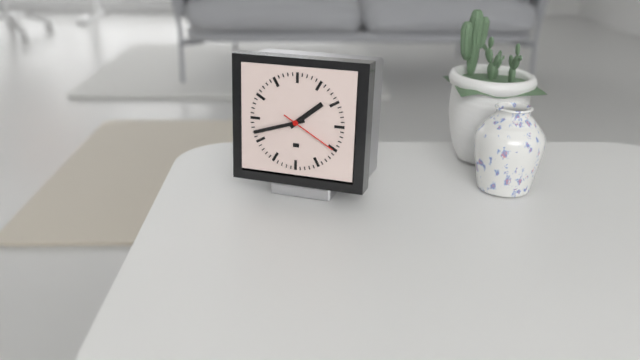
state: 1:42:20
